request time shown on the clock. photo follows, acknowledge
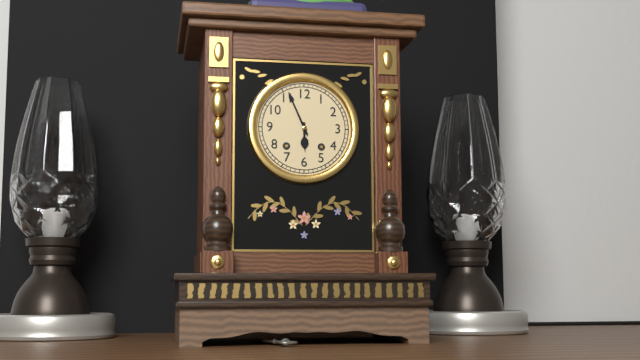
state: 5:56
